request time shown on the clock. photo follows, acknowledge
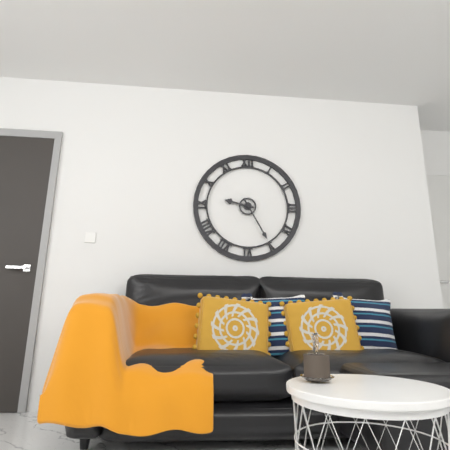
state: 9:25
